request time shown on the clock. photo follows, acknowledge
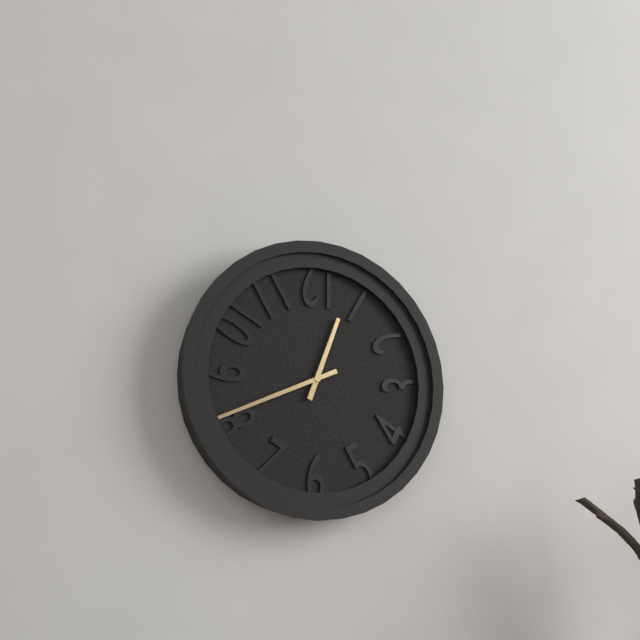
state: 12:41
